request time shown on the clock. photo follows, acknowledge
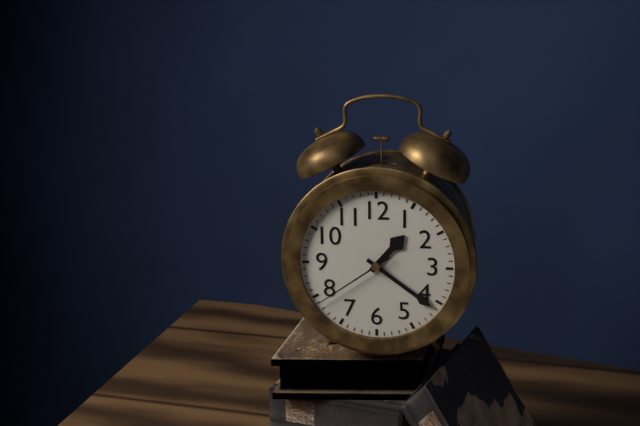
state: 1:21:39
